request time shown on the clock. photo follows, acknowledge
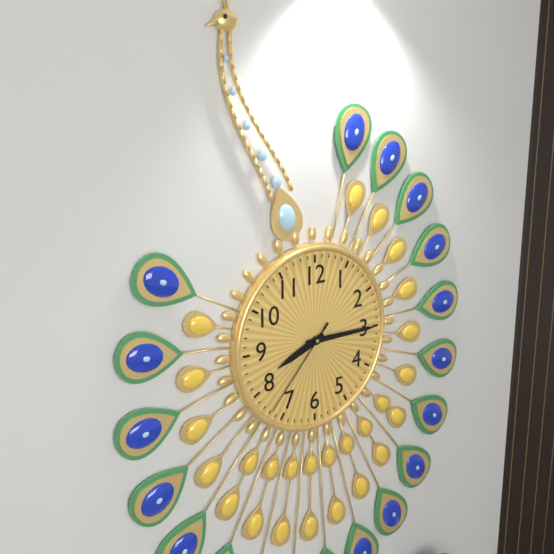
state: 8:15:37
